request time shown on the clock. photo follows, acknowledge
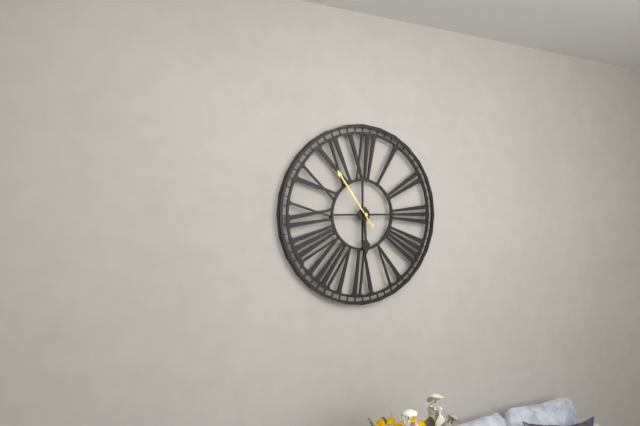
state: 5:54
